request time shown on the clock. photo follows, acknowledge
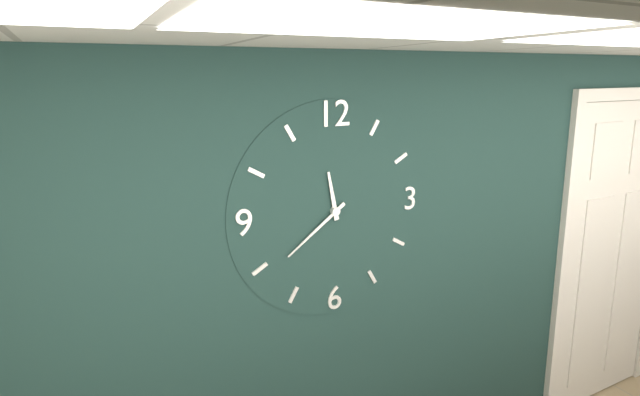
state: 11:39
